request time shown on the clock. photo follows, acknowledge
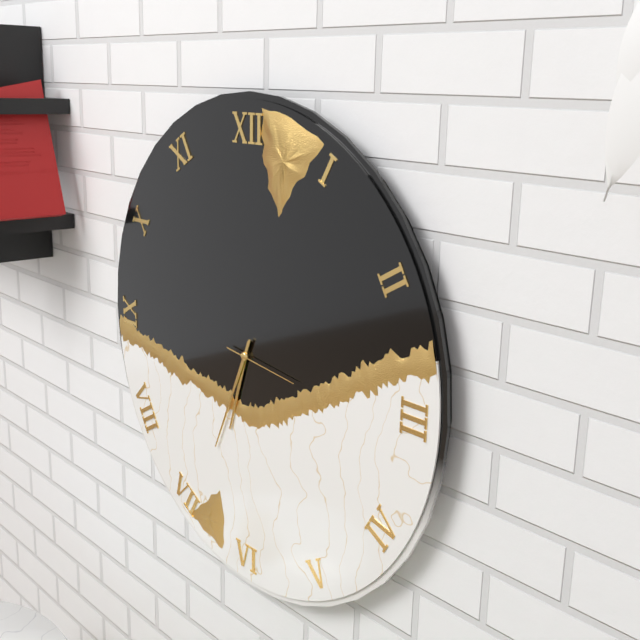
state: 6:34:16
